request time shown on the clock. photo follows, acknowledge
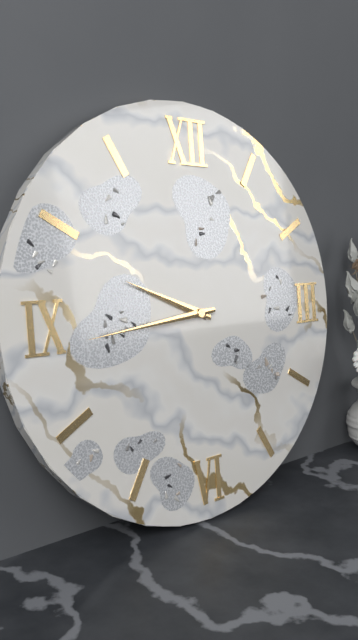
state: 9:44
